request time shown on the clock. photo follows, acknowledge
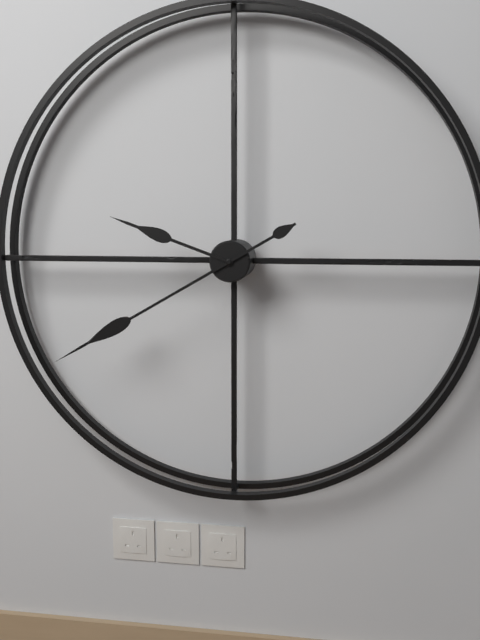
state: 9:40
